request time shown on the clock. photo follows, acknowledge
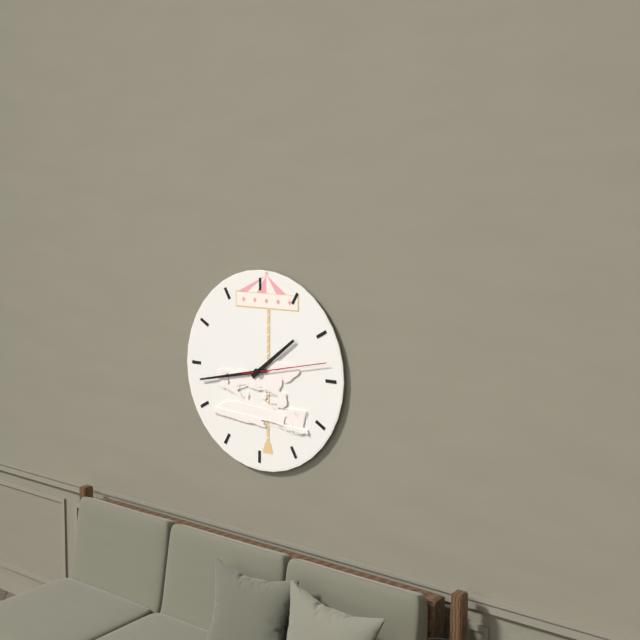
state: 1:43:13
